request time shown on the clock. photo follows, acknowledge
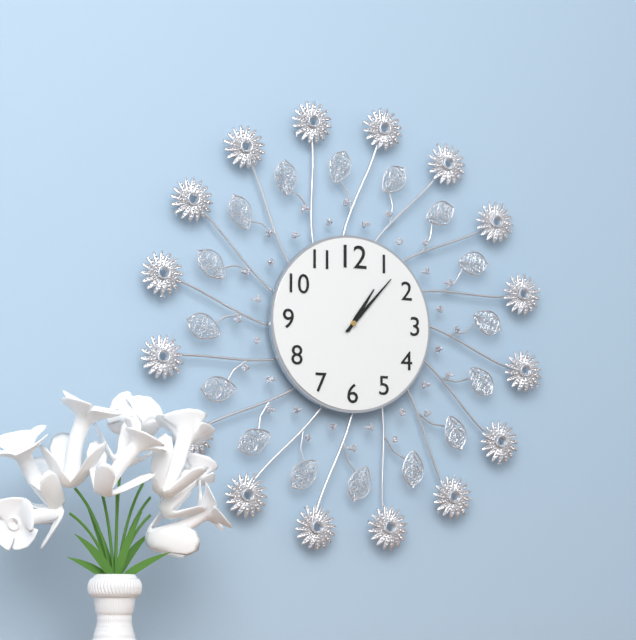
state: 1:07
